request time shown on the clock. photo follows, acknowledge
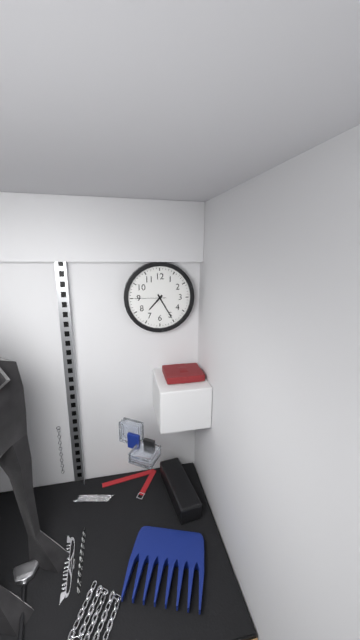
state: 7:25
